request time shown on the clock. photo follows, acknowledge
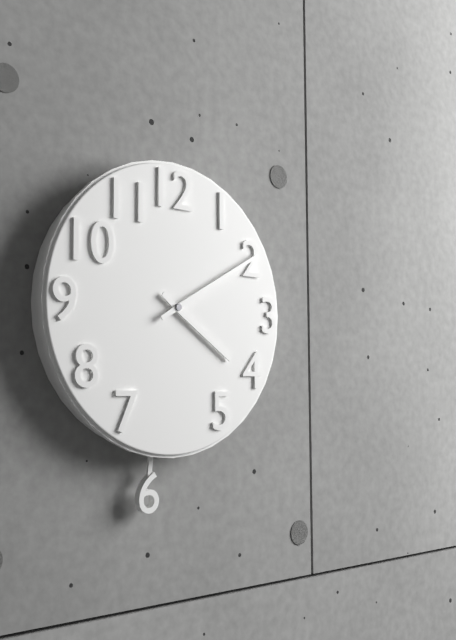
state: 4:10
